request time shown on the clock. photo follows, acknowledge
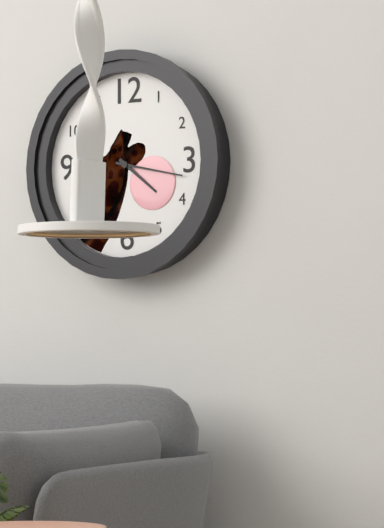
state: 4:17
